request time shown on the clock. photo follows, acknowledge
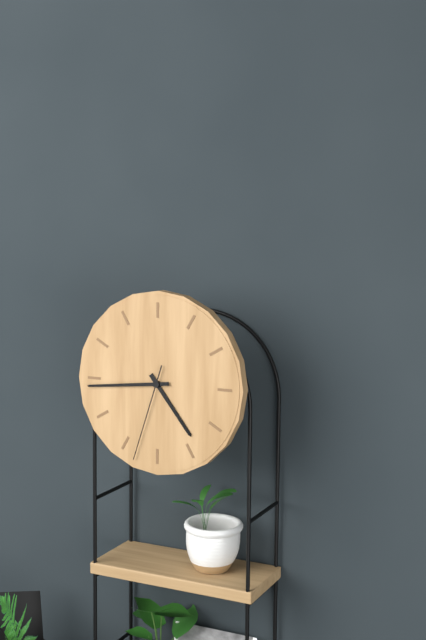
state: 4:44:33
